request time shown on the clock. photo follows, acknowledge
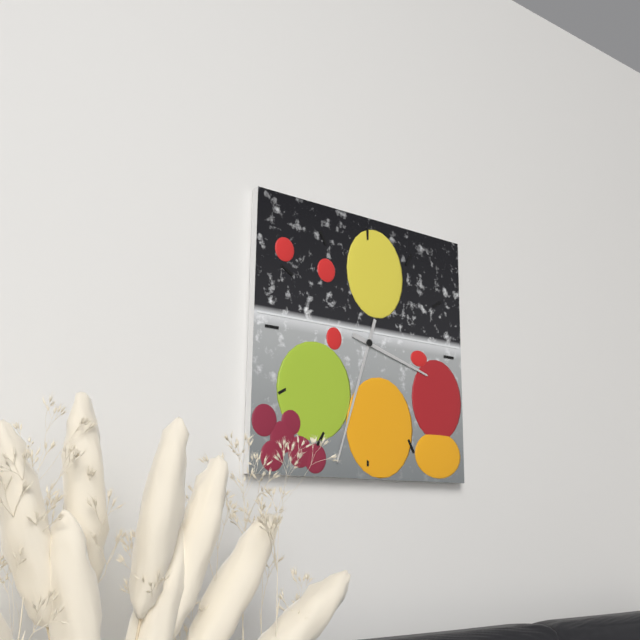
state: 3:33
